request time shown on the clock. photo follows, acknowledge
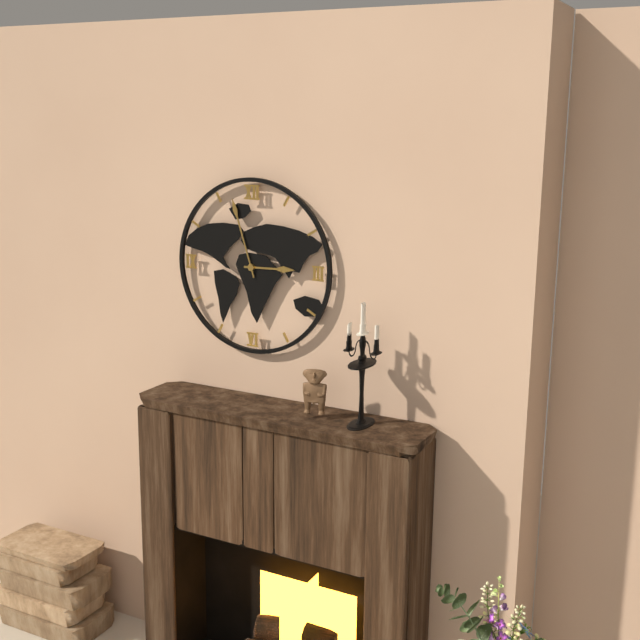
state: 2:57
